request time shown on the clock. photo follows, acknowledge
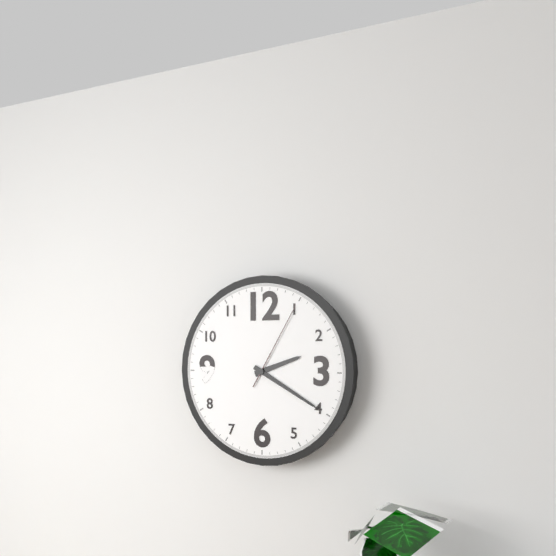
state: 2:20:05
